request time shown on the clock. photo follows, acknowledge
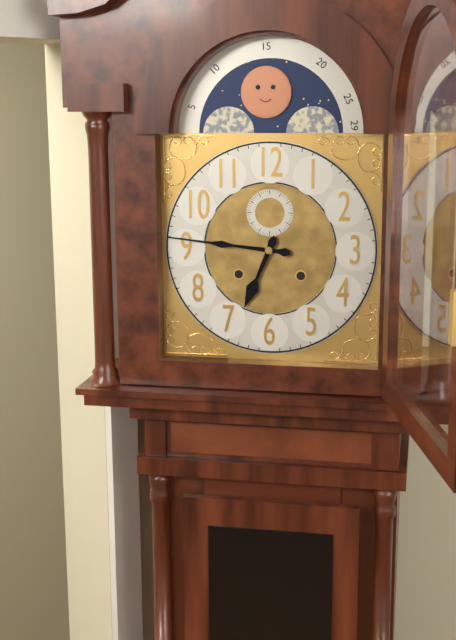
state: 6:46
